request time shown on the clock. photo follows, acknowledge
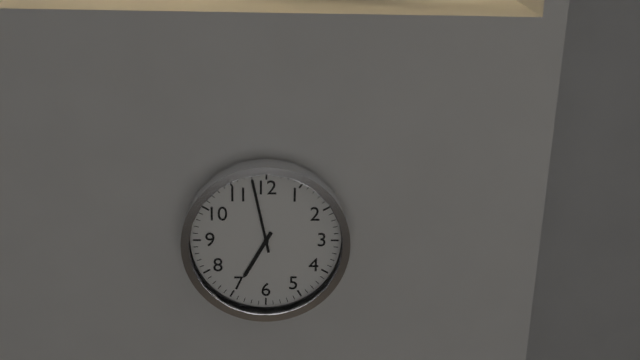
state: 6:58
